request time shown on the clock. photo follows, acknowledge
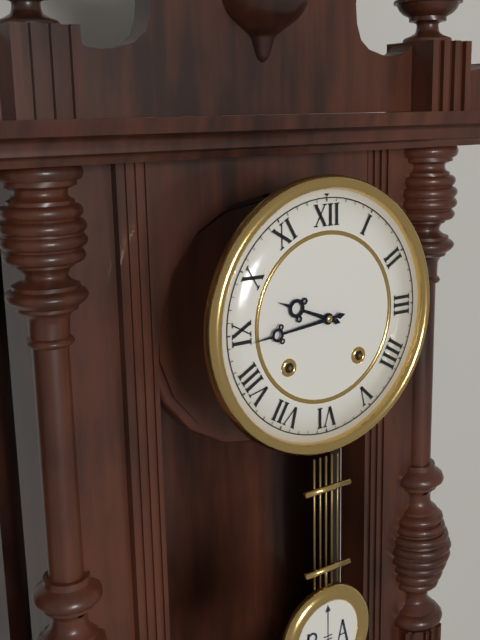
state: 9:44
